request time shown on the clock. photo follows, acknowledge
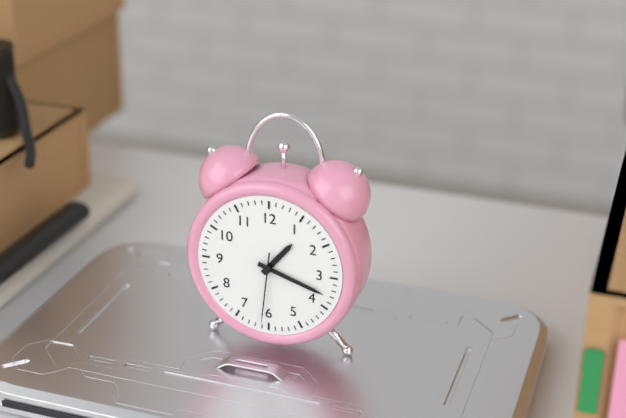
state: 1:18:31
